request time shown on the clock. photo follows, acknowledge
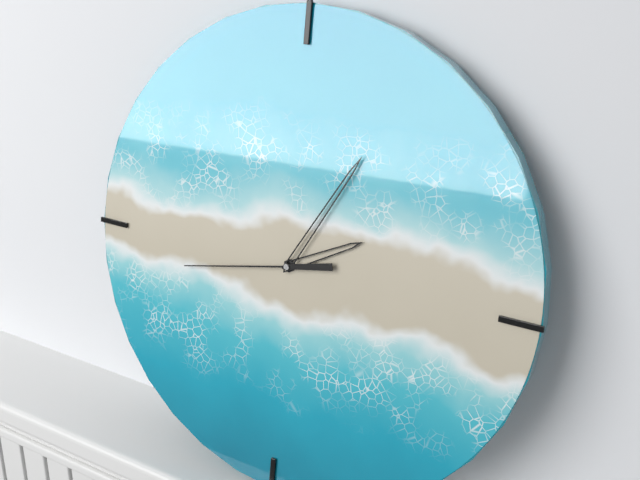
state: 2:05:43
